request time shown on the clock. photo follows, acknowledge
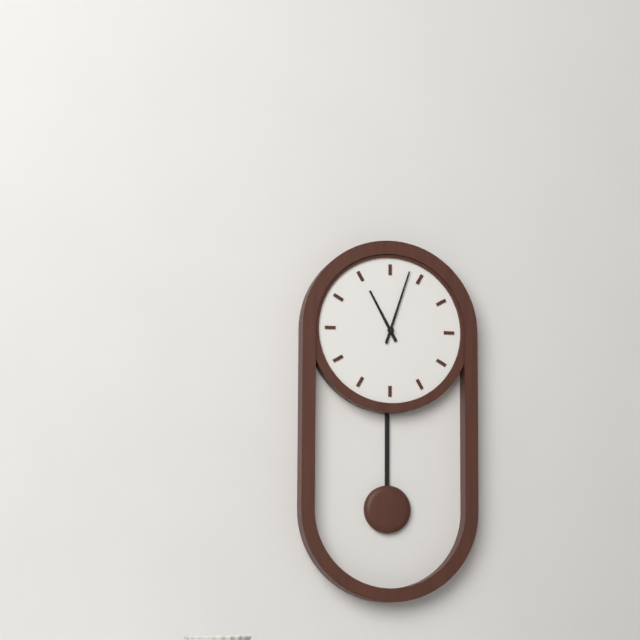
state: 11:03
